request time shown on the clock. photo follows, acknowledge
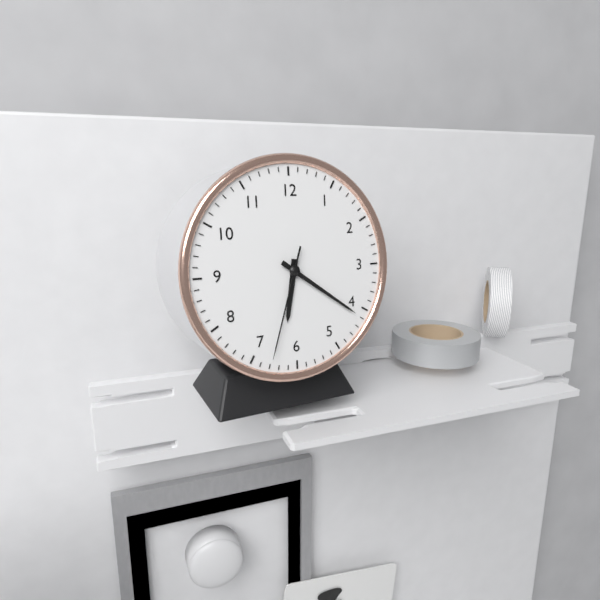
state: 6:21:33
